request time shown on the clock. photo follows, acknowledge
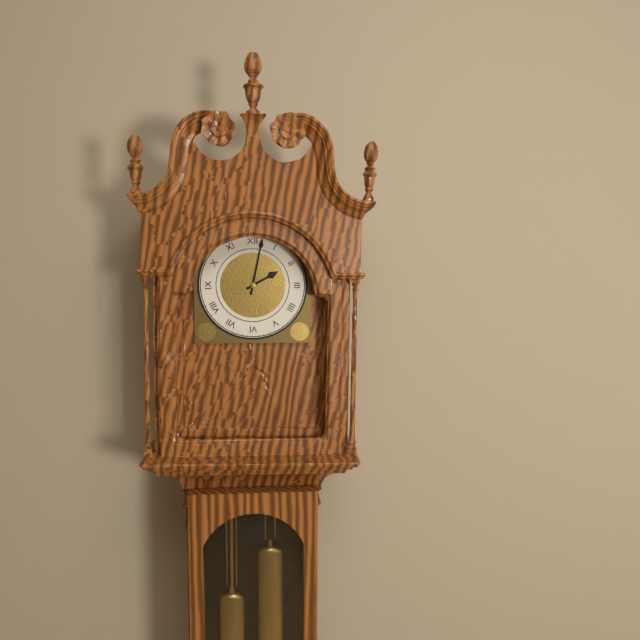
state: 2:02
